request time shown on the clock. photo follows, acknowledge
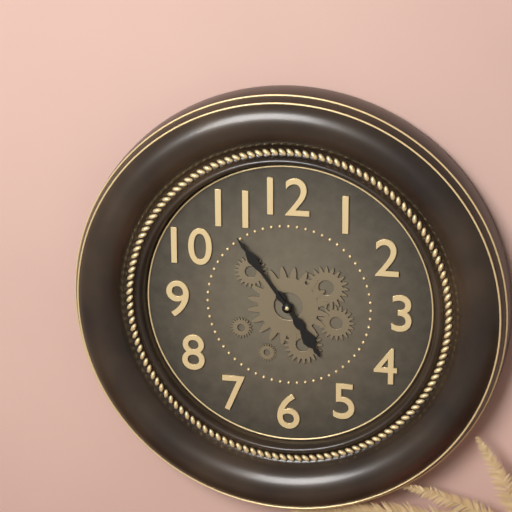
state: 4:54
